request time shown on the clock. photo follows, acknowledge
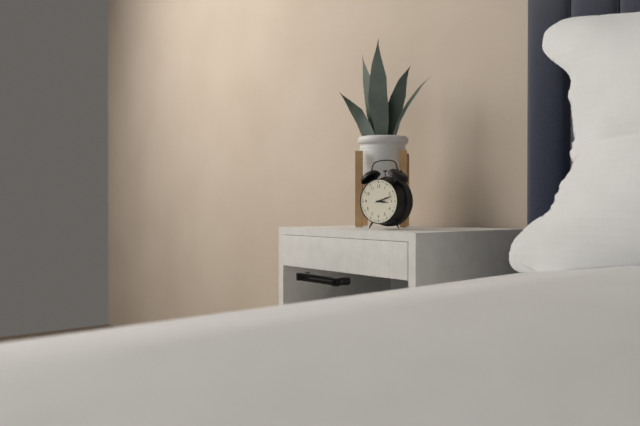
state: 3:12
